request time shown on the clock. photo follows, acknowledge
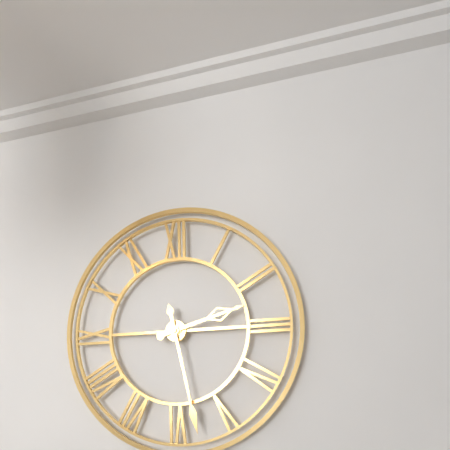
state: 2:28
